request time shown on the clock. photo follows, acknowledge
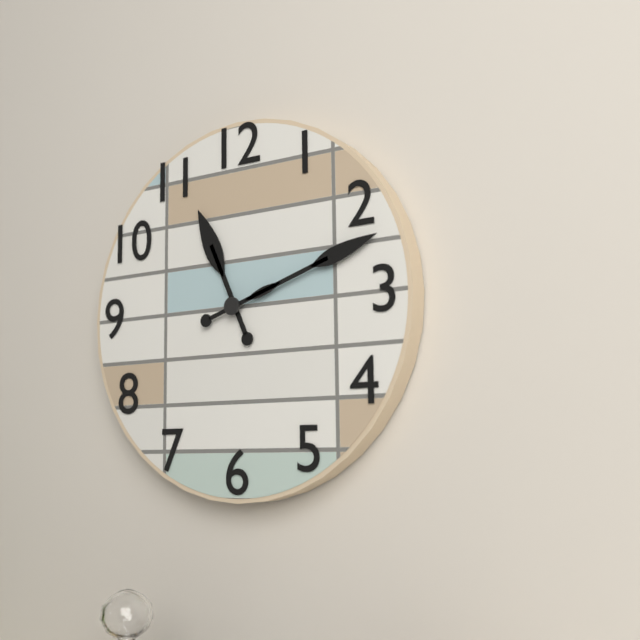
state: 11:12
